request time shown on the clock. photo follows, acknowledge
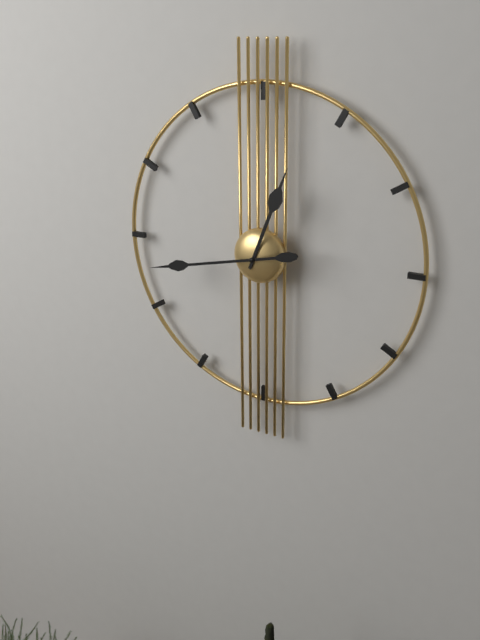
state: 12:43
